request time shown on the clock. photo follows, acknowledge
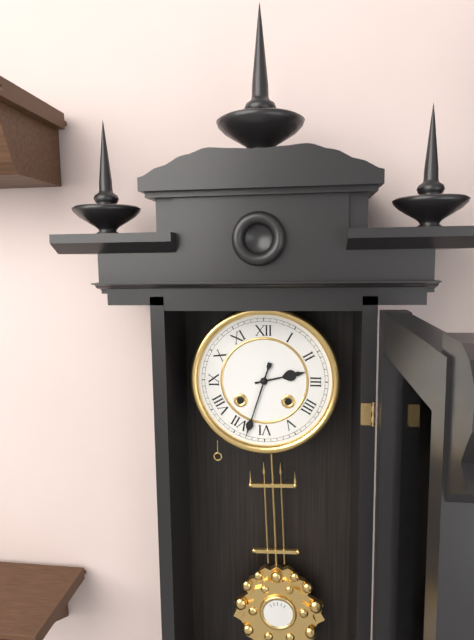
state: 2:33
